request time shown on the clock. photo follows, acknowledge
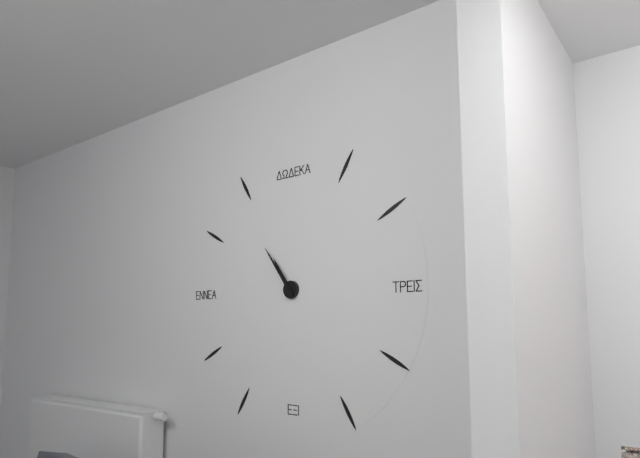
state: 10:54
